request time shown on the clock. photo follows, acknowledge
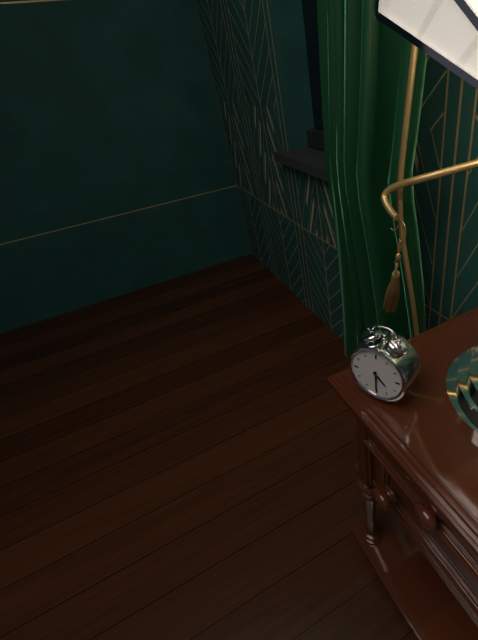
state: 4:30
